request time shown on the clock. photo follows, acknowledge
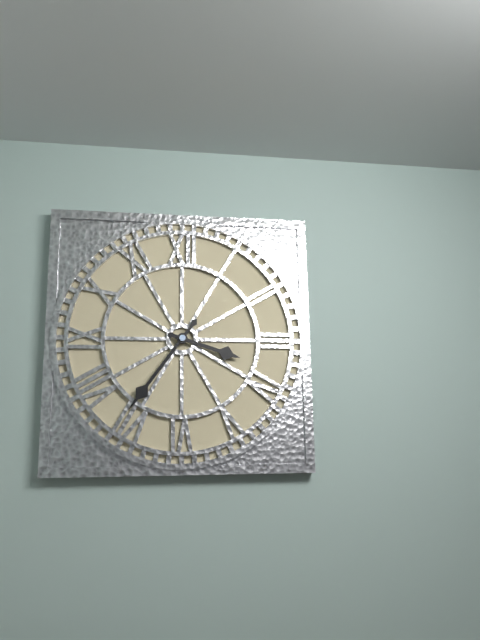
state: 3:36
